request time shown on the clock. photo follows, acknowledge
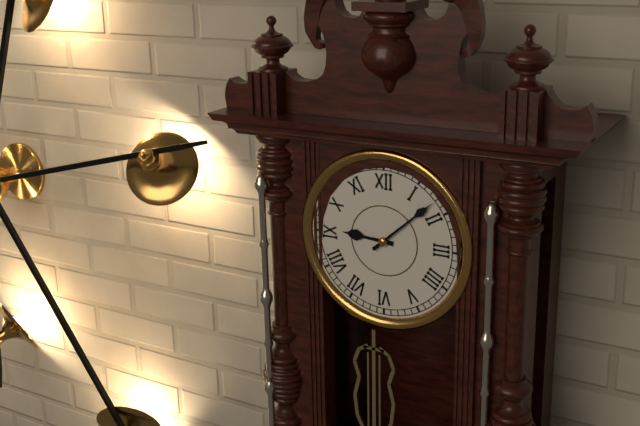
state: 9:08
